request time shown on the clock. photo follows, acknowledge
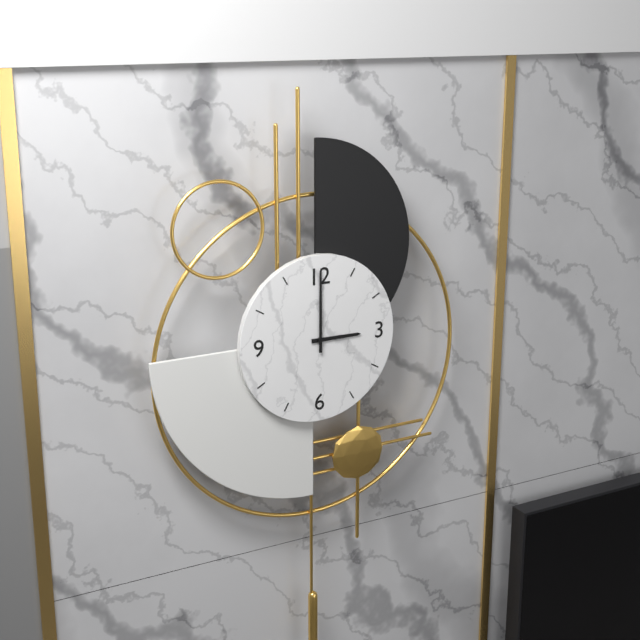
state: 3:00
